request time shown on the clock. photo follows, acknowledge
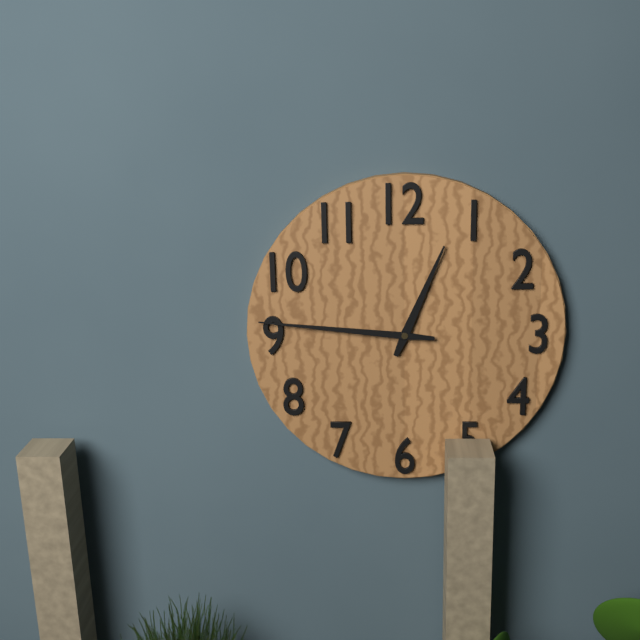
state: 12:46
